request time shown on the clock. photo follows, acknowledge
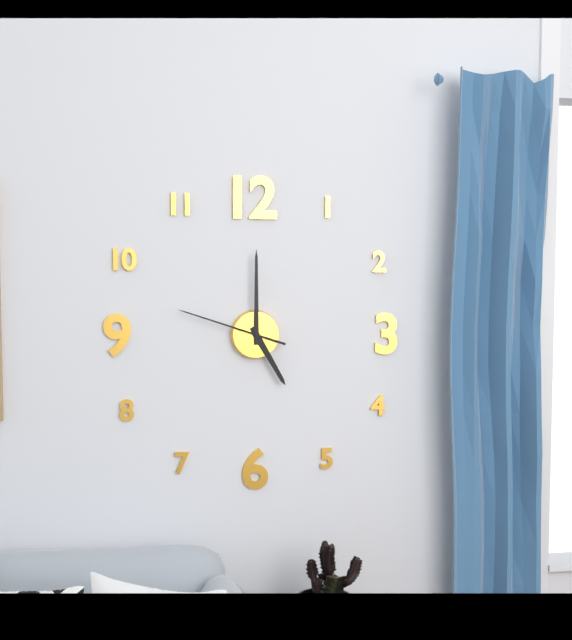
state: 5:00:48
